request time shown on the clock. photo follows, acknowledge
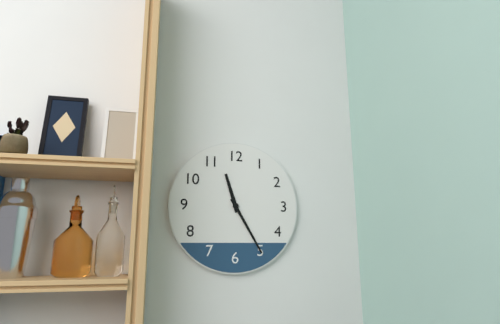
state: 11:25
